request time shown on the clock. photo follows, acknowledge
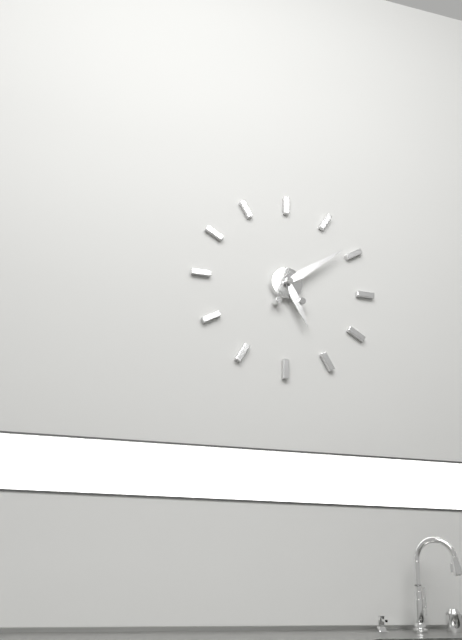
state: 5:09
